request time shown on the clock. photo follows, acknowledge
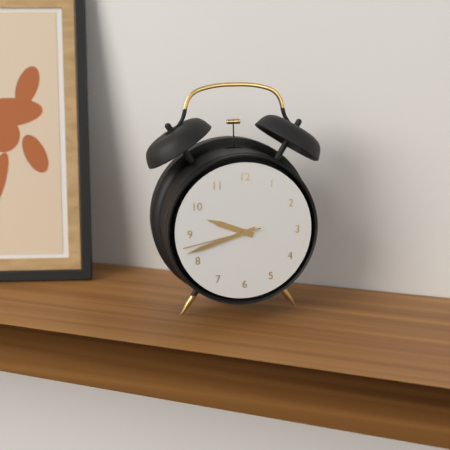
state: 9:42:43
